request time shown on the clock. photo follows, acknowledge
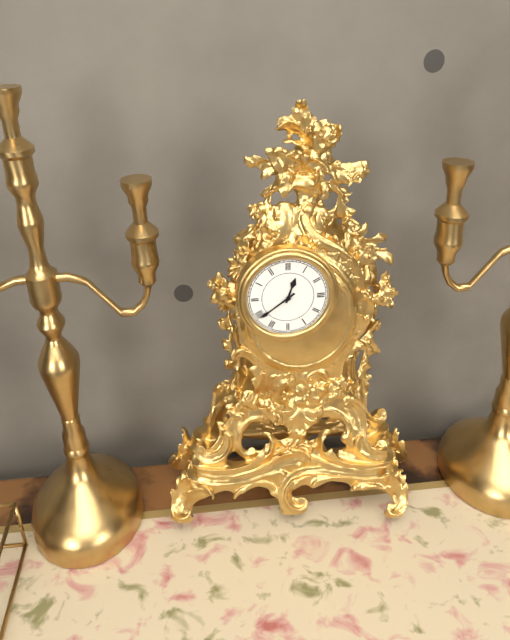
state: 12:39
